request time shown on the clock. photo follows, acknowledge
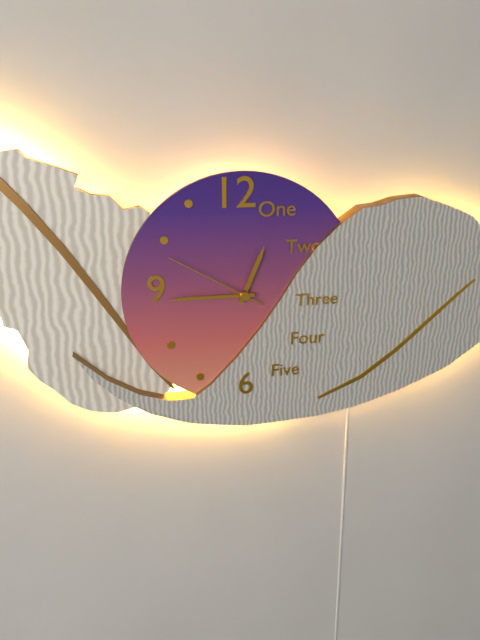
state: 12:45:50
